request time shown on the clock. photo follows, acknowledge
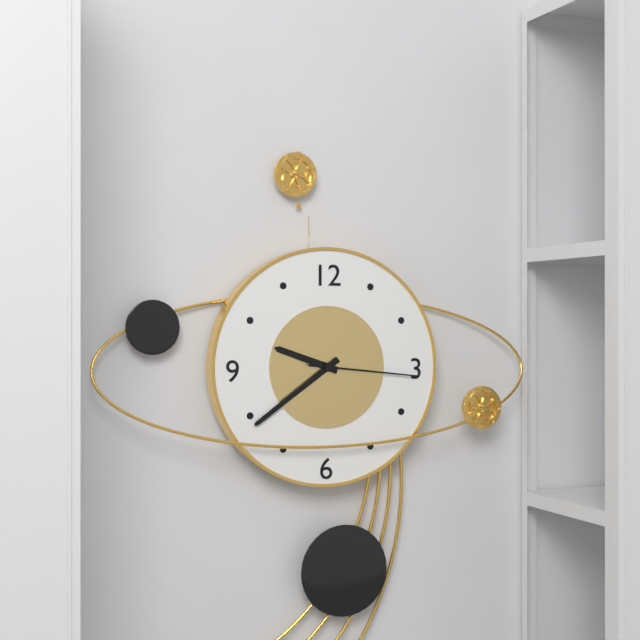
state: 9:39:16
